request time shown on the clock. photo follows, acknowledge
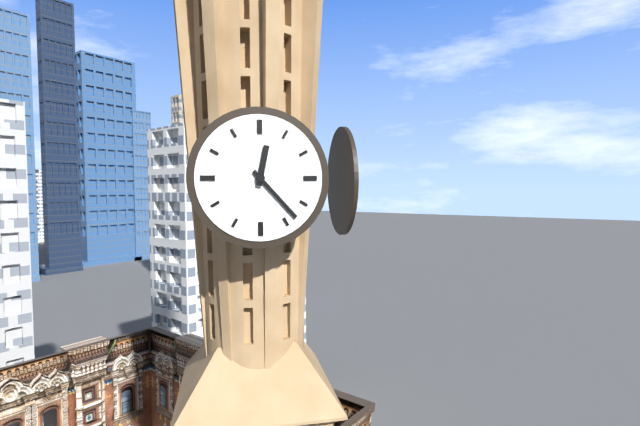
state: 12:23
